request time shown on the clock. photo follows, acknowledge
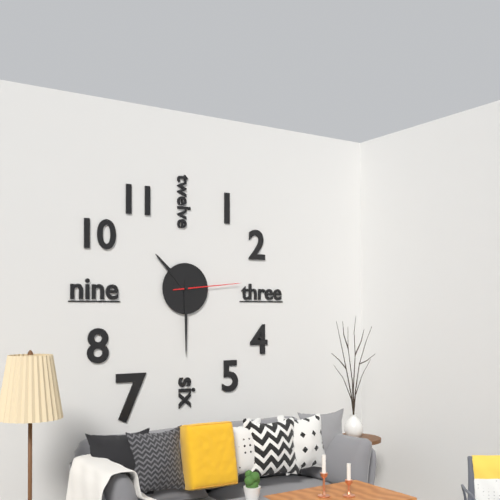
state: 10:30:14
